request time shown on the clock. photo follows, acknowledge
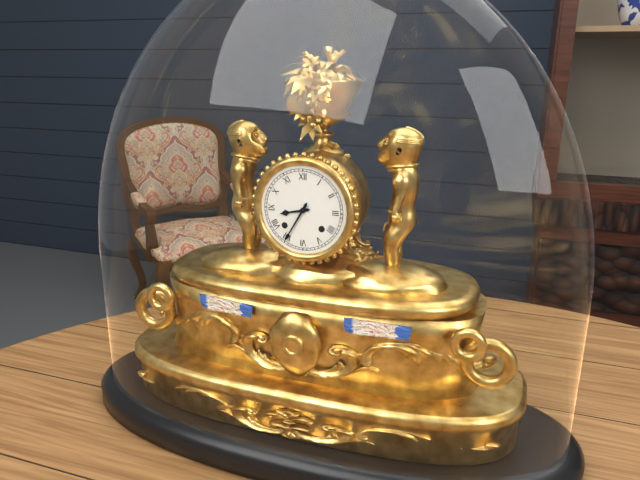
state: 8:35
